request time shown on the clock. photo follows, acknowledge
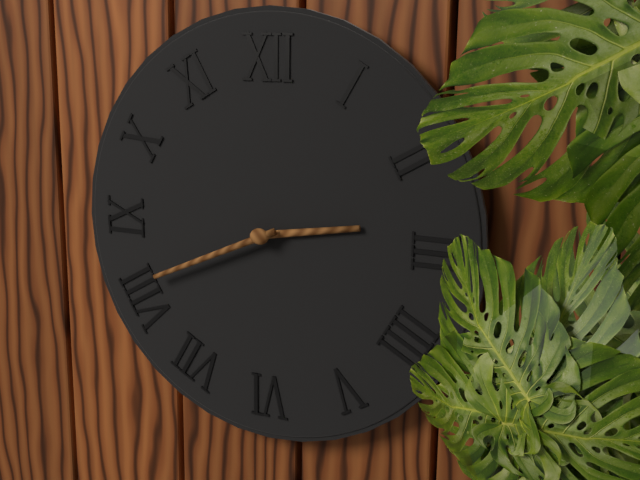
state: 2:41
